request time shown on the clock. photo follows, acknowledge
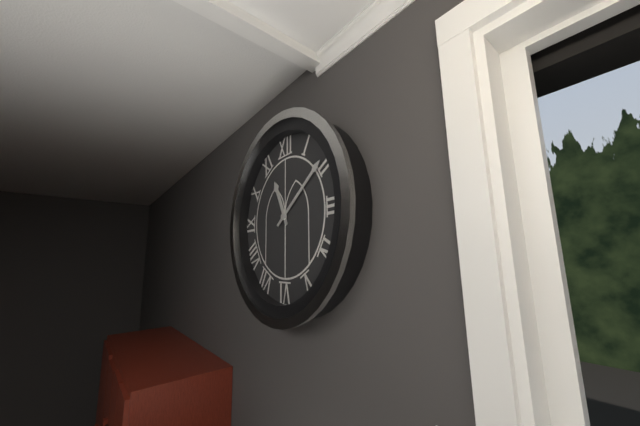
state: 11:09
